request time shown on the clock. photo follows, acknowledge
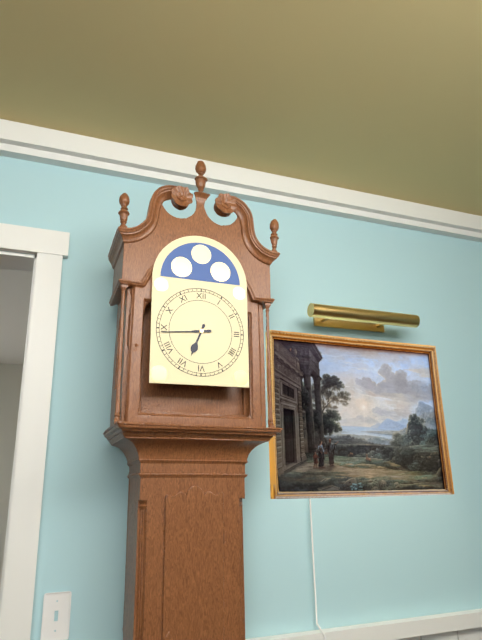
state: 6:44
